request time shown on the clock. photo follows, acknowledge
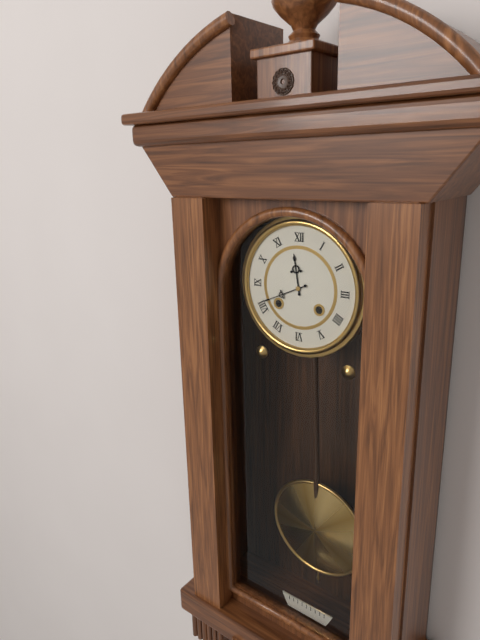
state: 11:41
